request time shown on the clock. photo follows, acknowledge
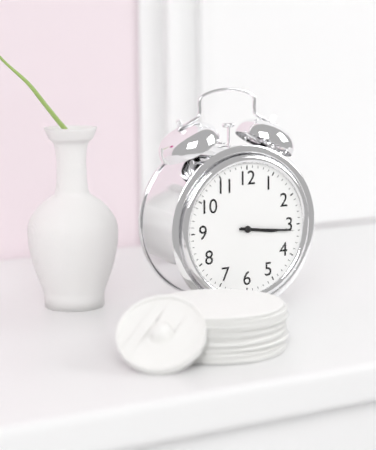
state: 3:16
